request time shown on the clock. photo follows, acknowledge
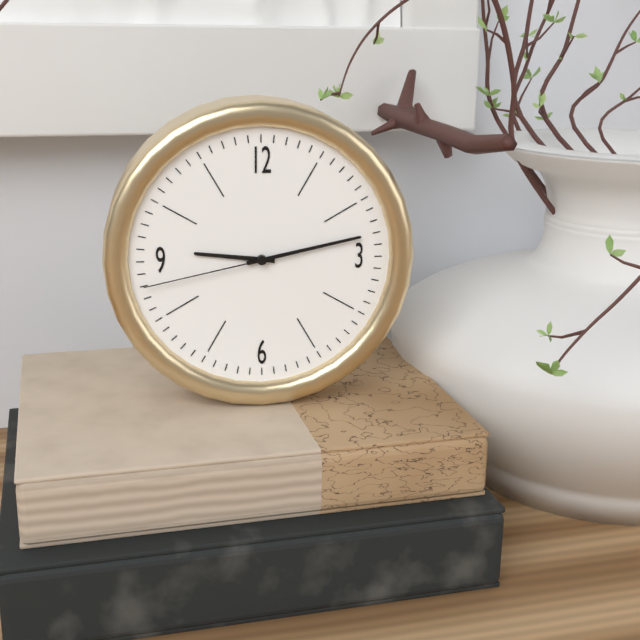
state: 9:13:43
